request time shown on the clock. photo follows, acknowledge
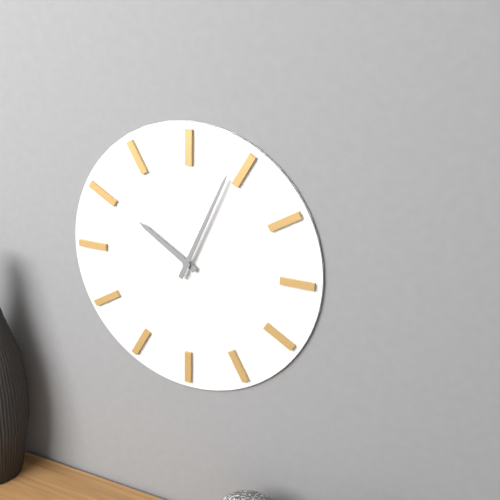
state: 10:04
